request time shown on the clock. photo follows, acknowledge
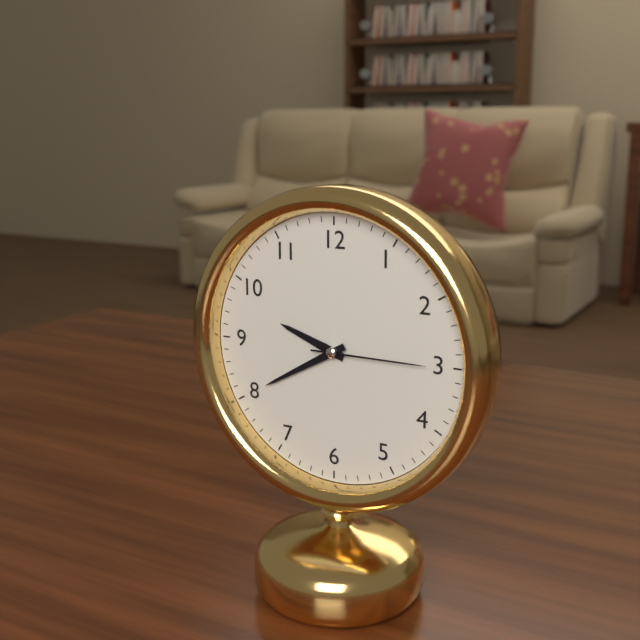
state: 9:40:15
